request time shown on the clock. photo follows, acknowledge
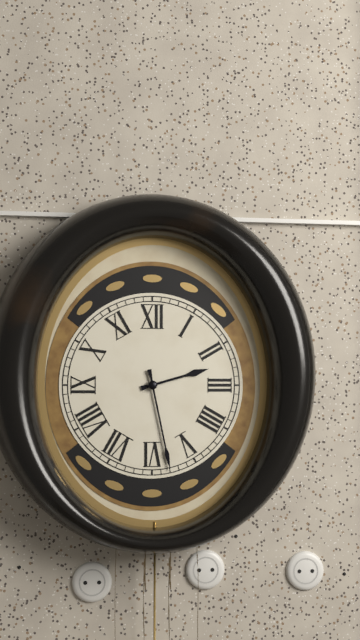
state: 2:28
